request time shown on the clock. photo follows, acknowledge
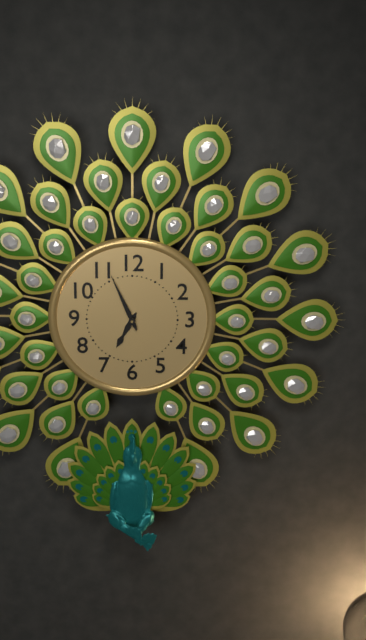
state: 6:56
